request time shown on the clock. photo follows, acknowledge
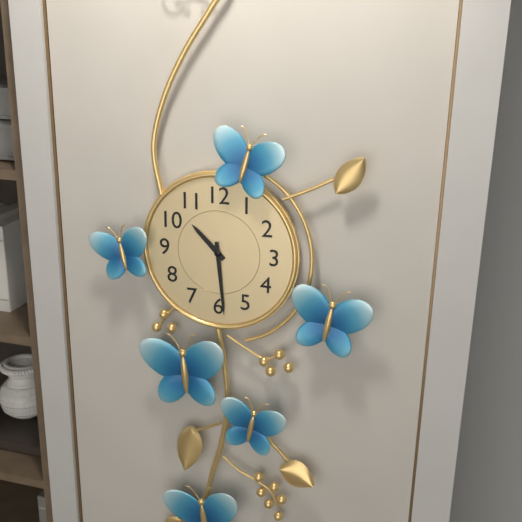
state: 10:29
